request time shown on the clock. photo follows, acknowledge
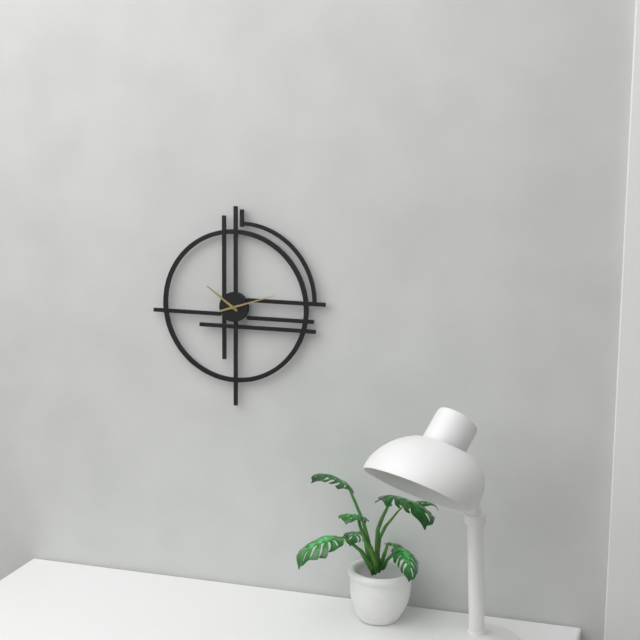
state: 10:12
